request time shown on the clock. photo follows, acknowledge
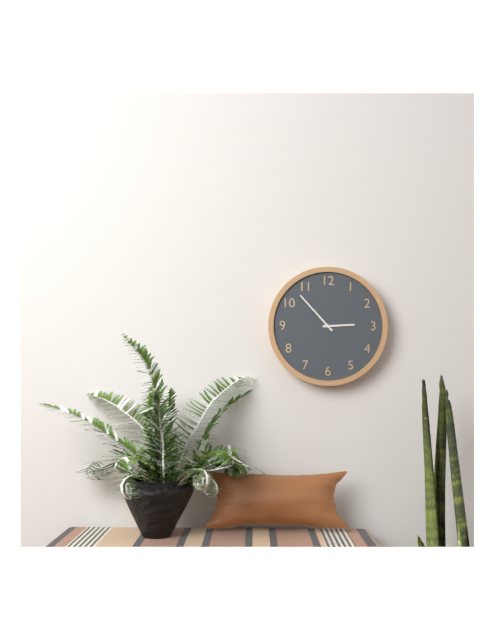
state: 2:53
